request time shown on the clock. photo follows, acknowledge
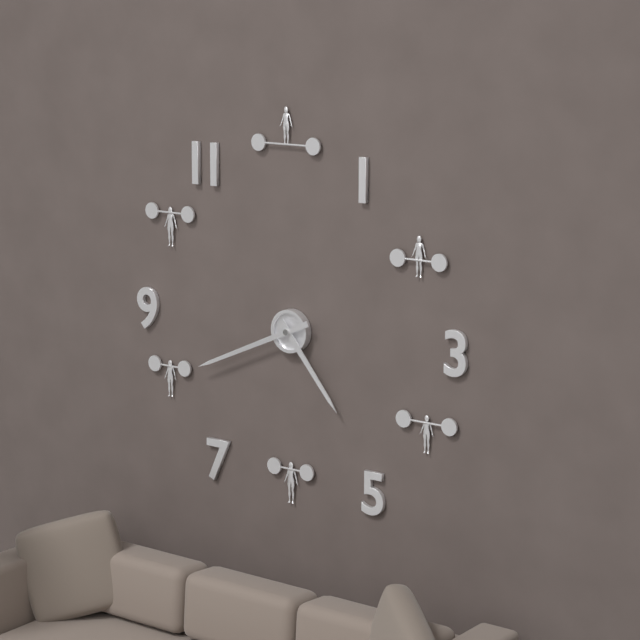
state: 4:41
